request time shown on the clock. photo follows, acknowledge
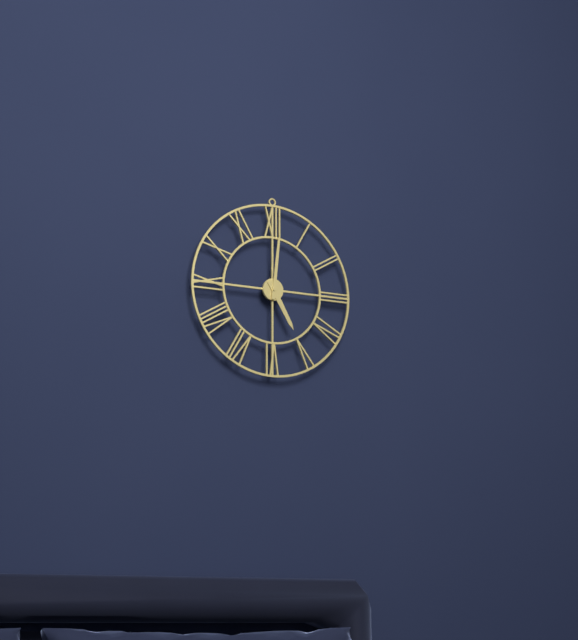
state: 5:01
